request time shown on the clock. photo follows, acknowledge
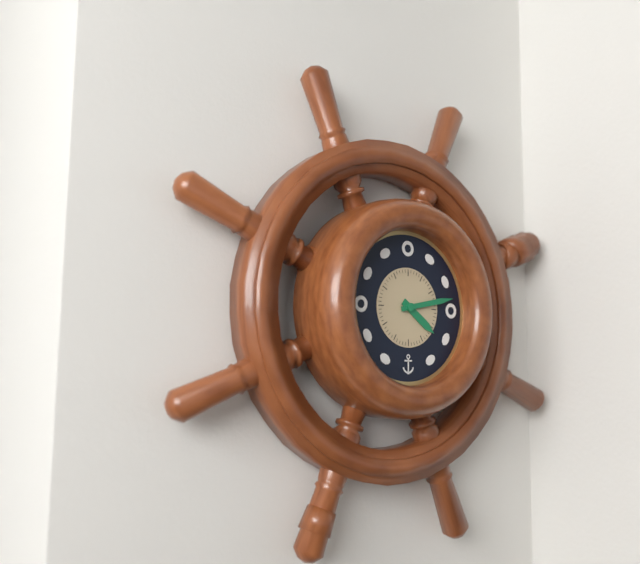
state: 4:13
